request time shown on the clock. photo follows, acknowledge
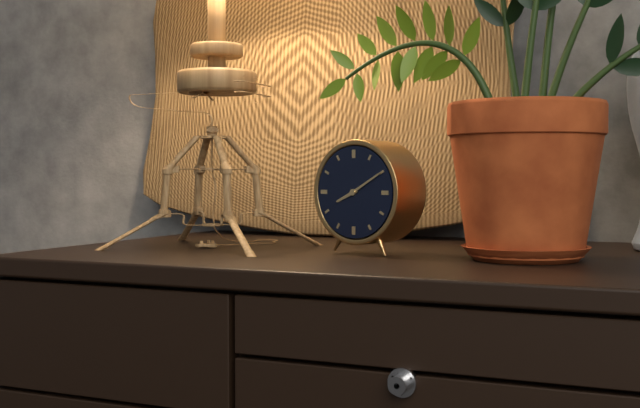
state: 8:10
